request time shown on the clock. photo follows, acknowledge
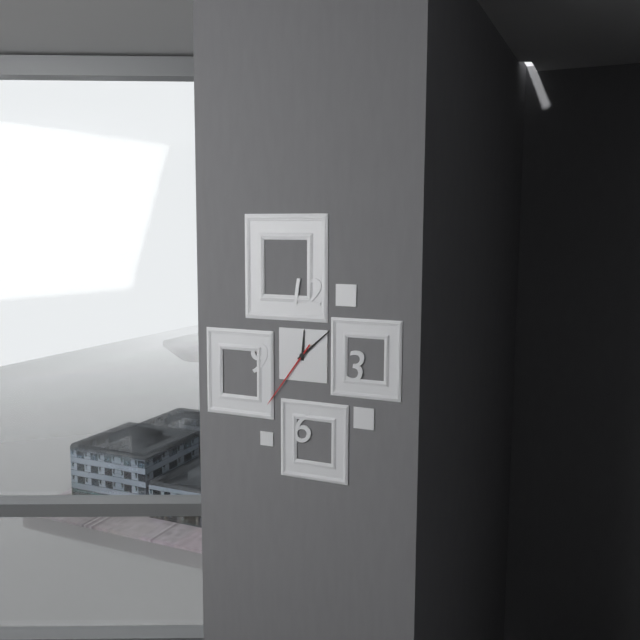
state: 12:08:36
